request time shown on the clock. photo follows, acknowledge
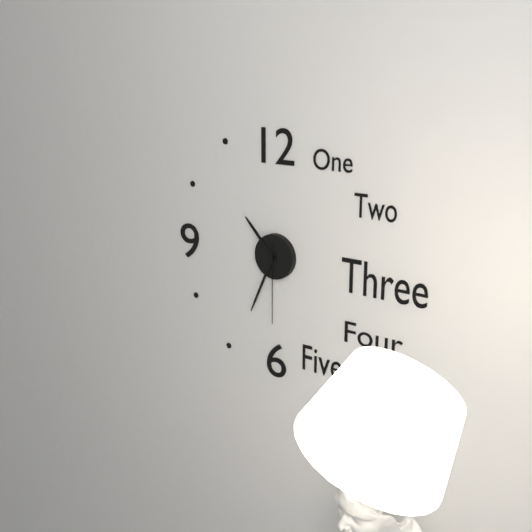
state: 10:34:30
